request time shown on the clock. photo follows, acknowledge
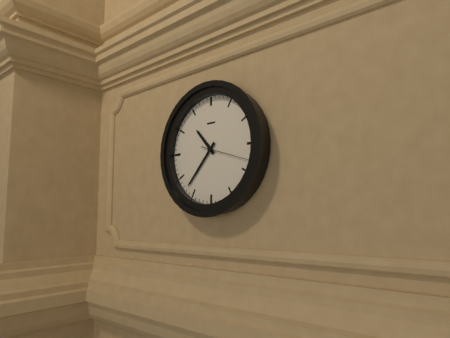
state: 10:37
